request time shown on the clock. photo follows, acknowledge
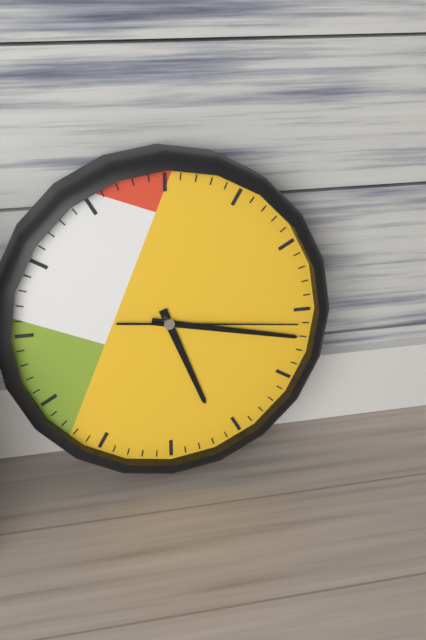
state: 5:17:16
